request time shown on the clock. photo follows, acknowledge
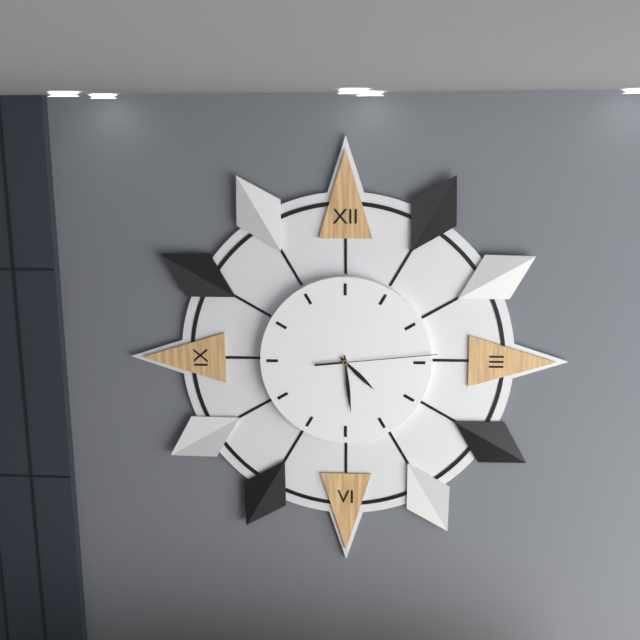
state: 4:29:14
